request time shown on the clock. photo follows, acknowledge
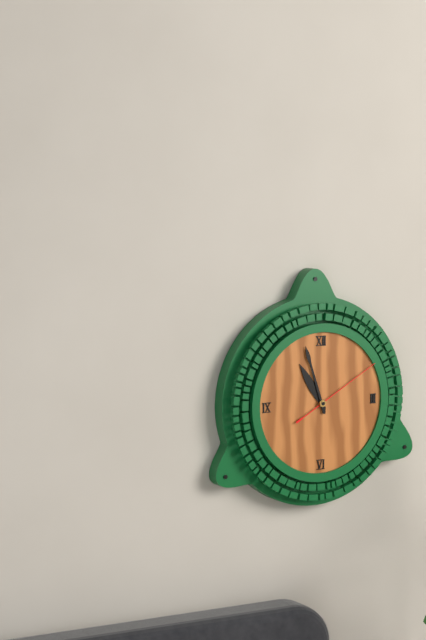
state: 10:57:10
